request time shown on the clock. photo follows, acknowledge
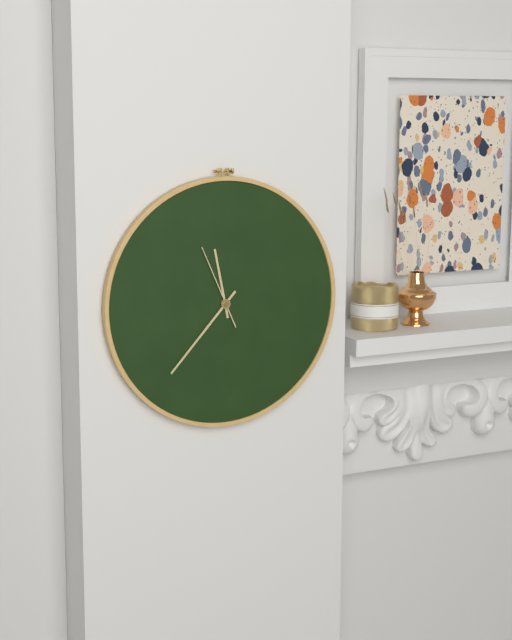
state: 11:37:56
